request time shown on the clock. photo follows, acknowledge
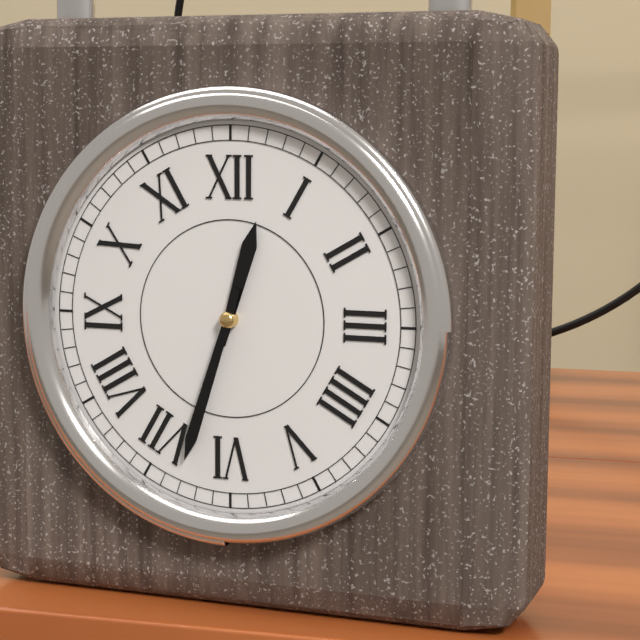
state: 12:33
